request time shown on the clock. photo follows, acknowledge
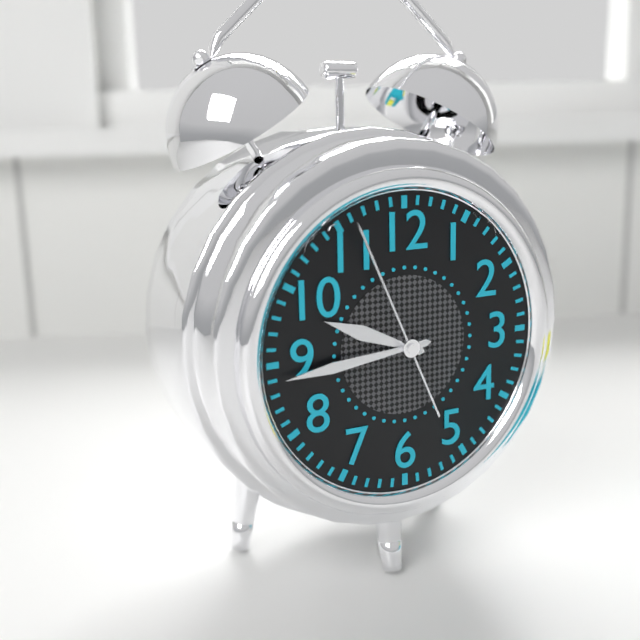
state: 9:44:56
